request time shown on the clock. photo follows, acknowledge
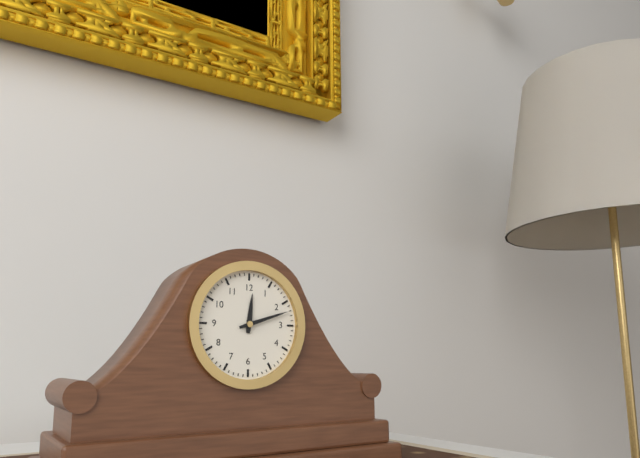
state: 12:12
